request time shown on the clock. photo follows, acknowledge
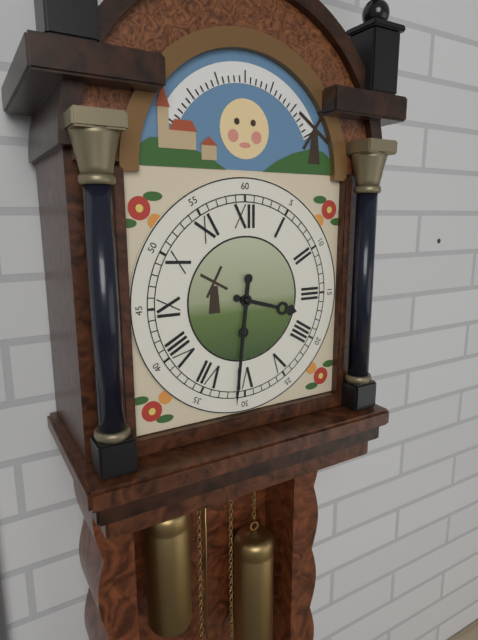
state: 3:31
